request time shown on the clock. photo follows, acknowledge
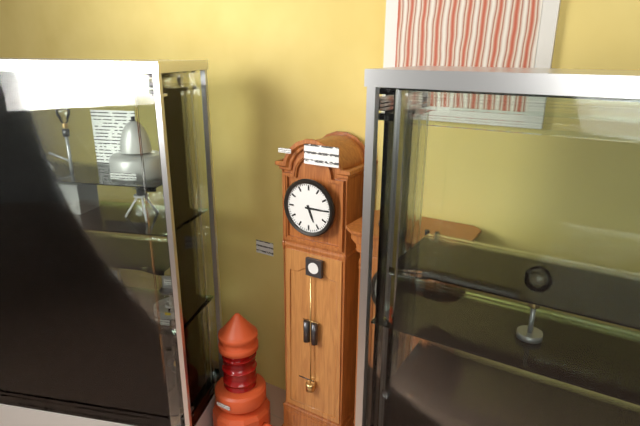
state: 5:15
